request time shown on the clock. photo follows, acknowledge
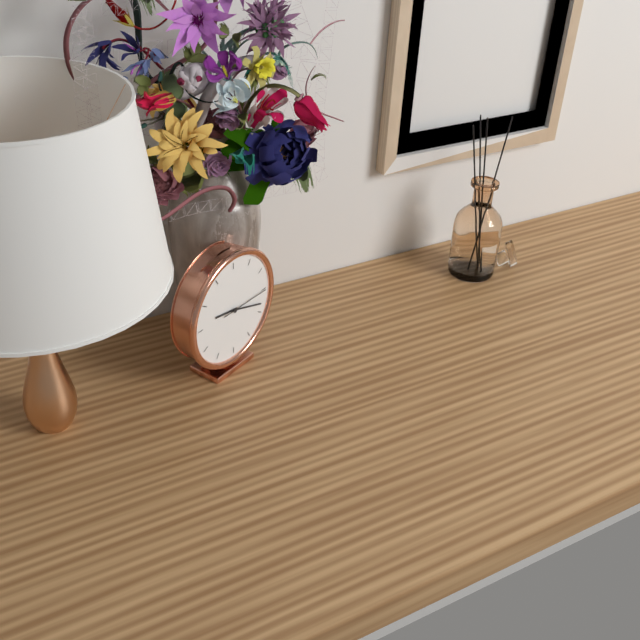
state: 9:18
